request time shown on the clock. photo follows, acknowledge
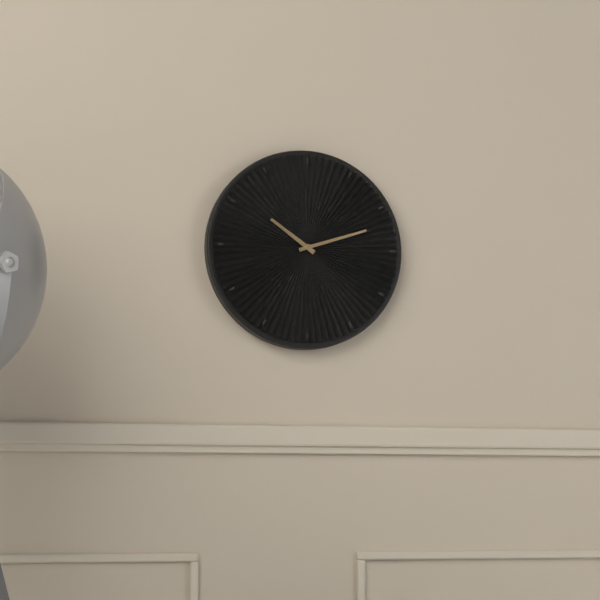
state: 10:12
